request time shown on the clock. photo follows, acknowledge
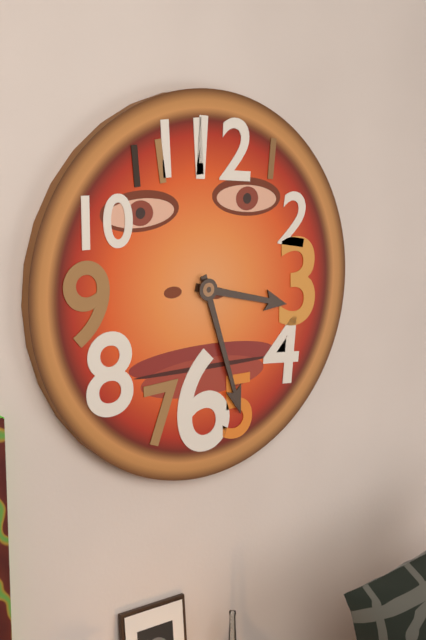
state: 3:27
